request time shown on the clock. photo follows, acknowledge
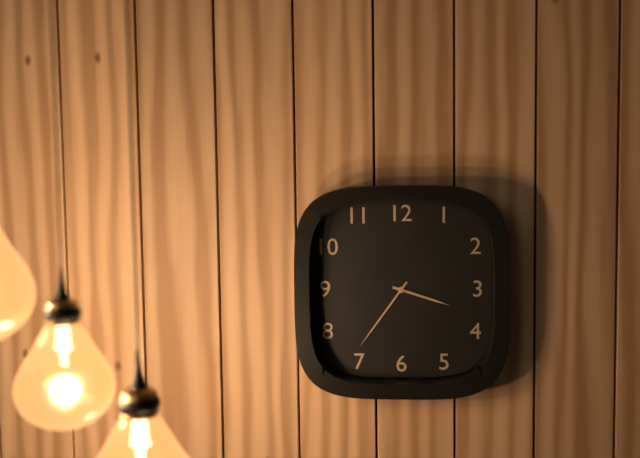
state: 3:36
